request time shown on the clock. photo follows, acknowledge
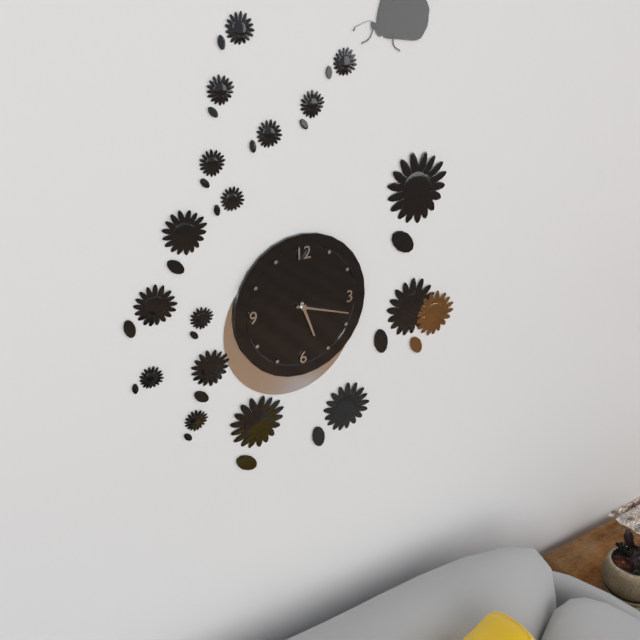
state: 5:18
